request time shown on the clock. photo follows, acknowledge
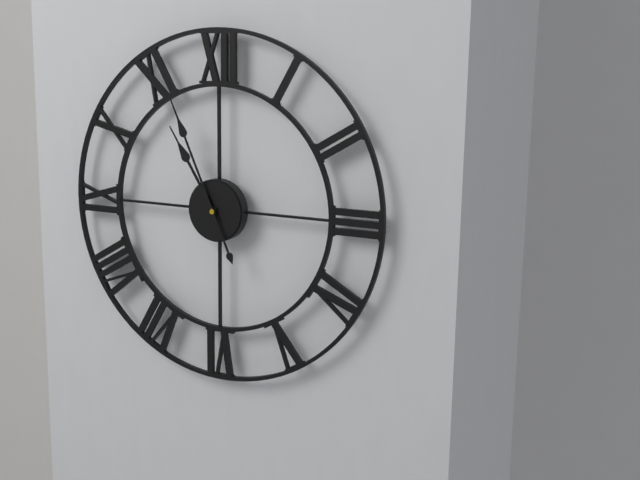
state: 10:56
